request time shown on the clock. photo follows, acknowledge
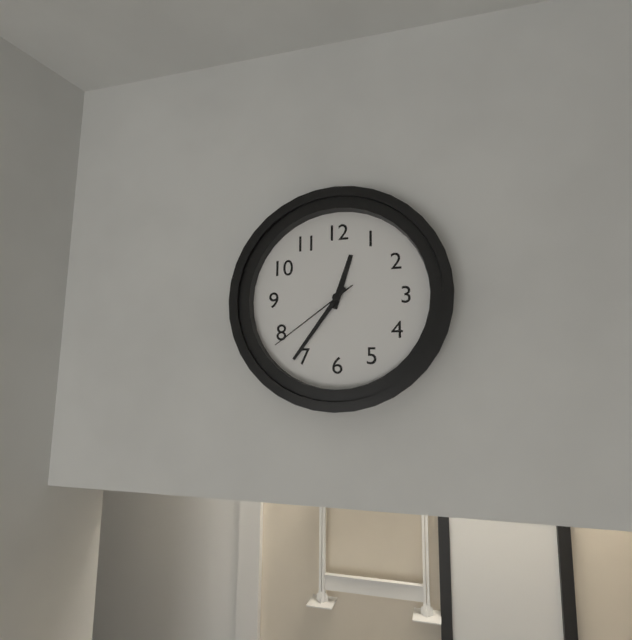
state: 12:36:39
